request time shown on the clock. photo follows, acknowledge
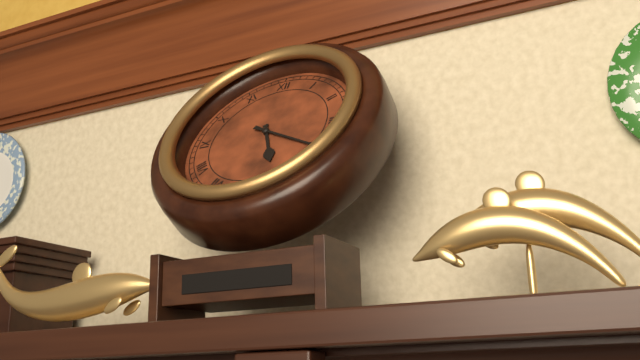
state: 5:20
